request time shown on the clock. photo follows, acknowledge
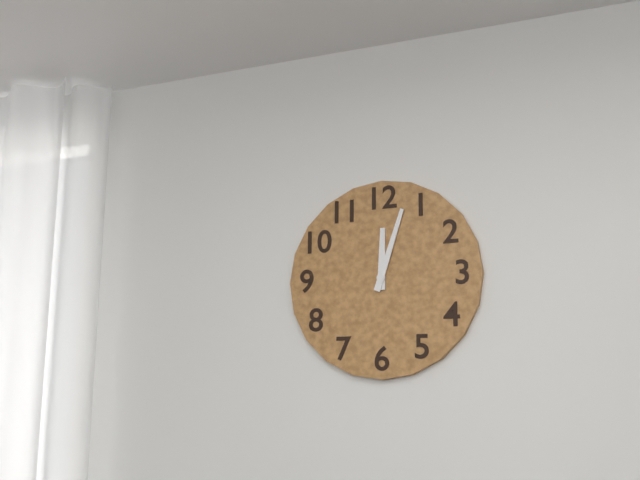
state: 12:03
